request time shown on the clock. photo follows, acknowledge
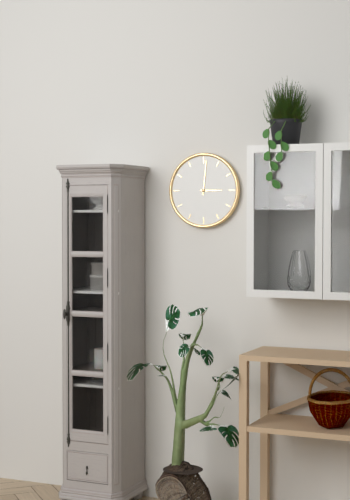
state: 3:01
